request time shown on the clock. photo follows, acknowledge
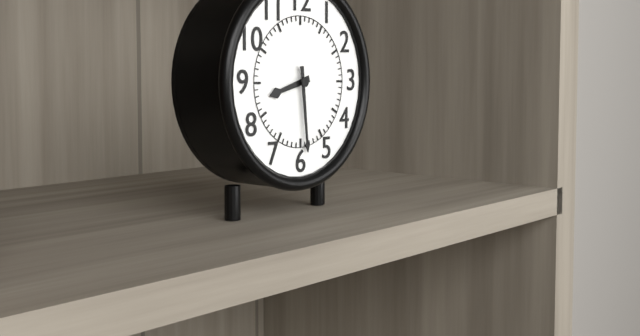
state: 8:29
